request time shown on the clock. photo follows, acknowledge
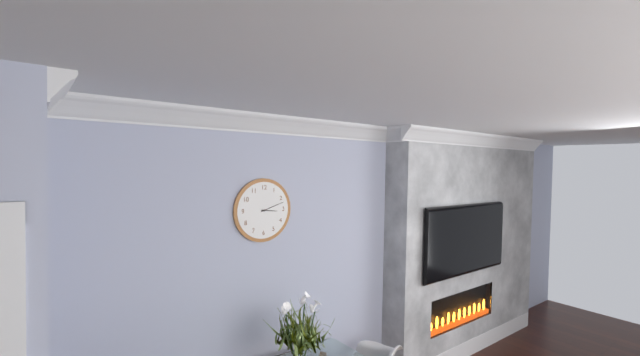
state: 3:12
